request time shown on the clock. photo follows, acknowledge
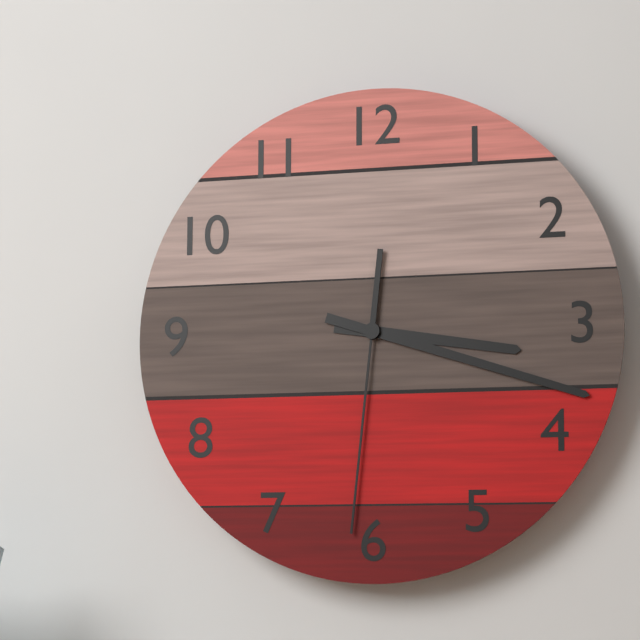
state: 3:18:31
